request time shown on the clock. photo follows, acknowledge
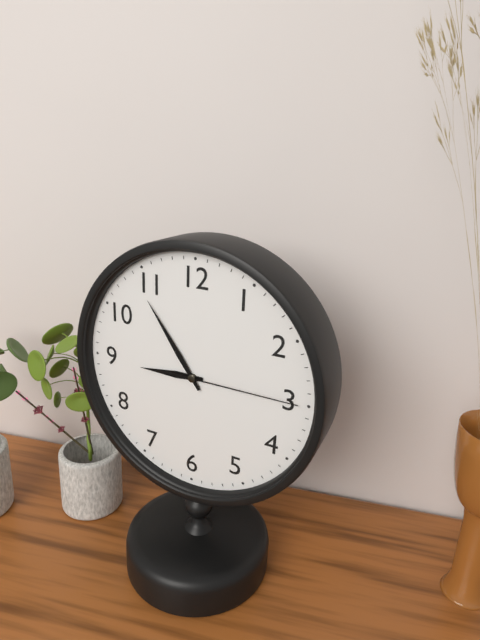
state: 8:54:15
